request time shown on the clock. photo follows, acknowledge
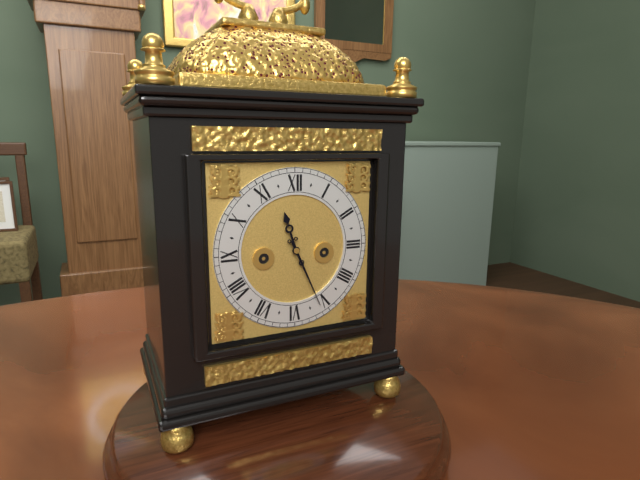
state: 11:26
